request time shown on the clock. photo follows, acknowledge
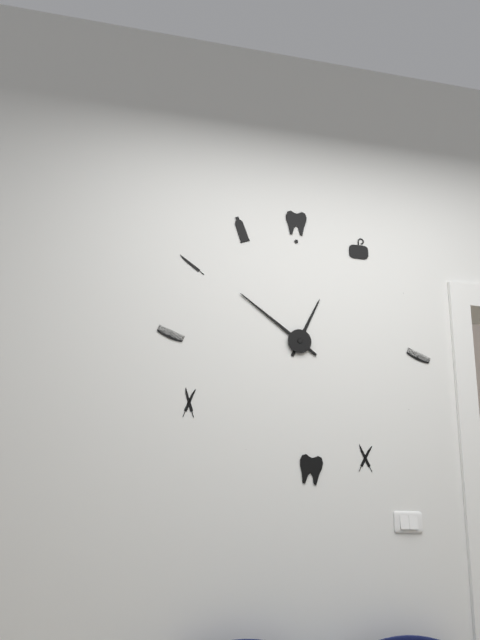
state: 12:51
